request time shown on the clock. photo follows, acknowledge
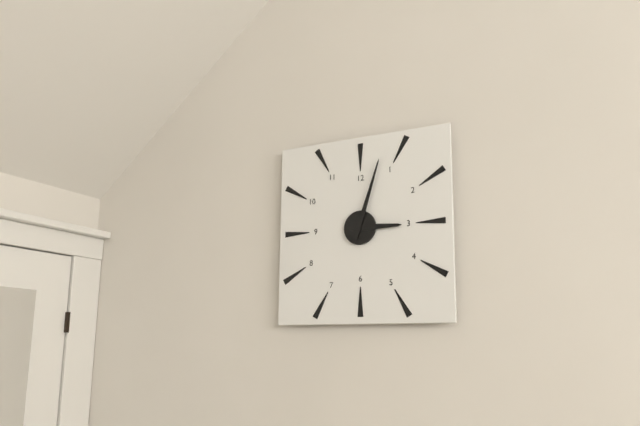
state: 3:03
